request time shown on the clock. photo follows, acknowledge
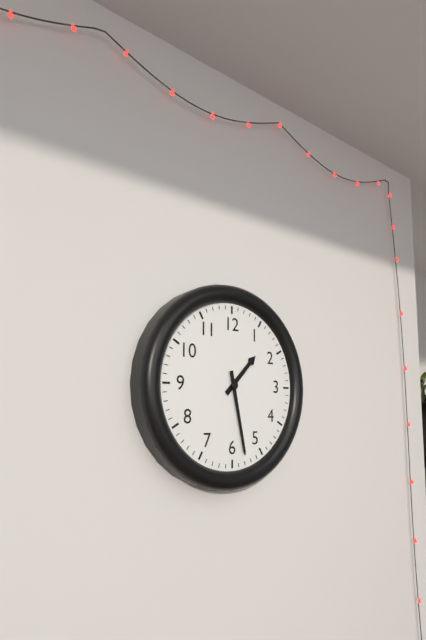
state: 1:28
